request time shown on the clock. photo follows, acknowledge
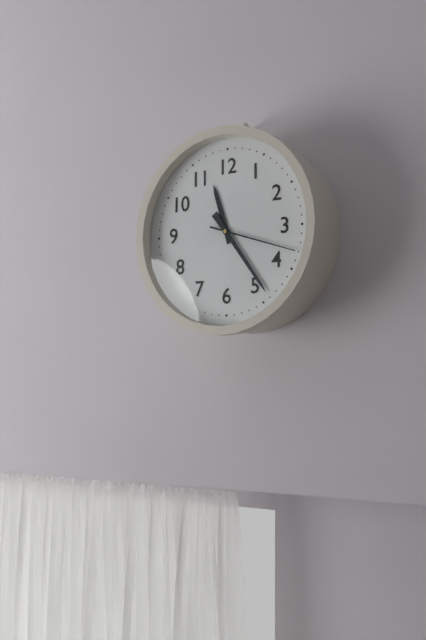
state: 11:24:18
